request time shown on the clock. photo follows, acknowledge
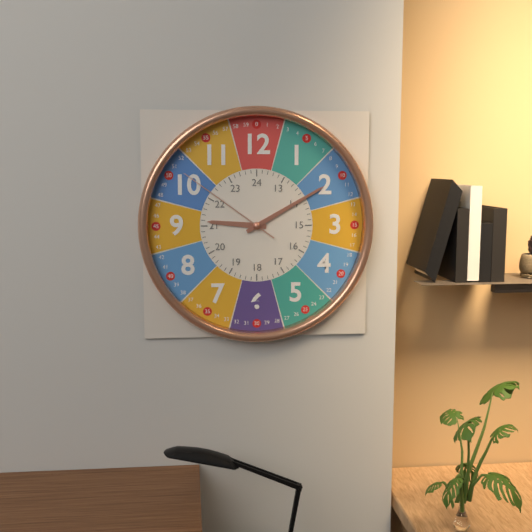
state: 9:10:51
